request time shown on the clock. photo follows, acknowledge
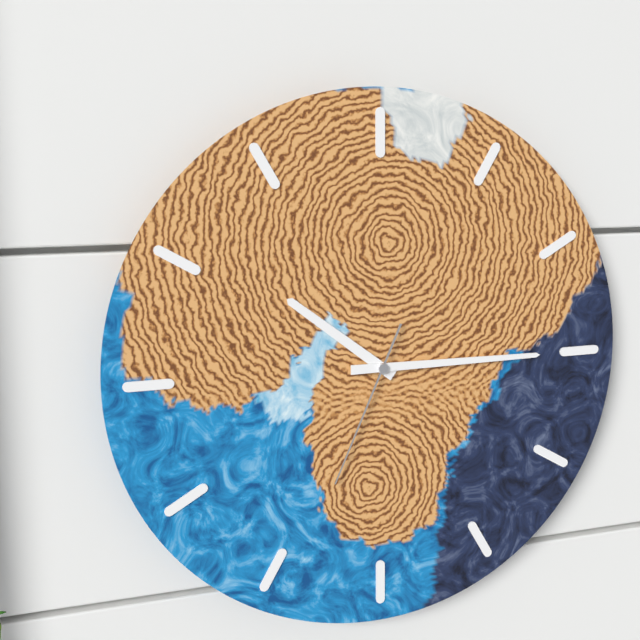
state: 10:15:34
